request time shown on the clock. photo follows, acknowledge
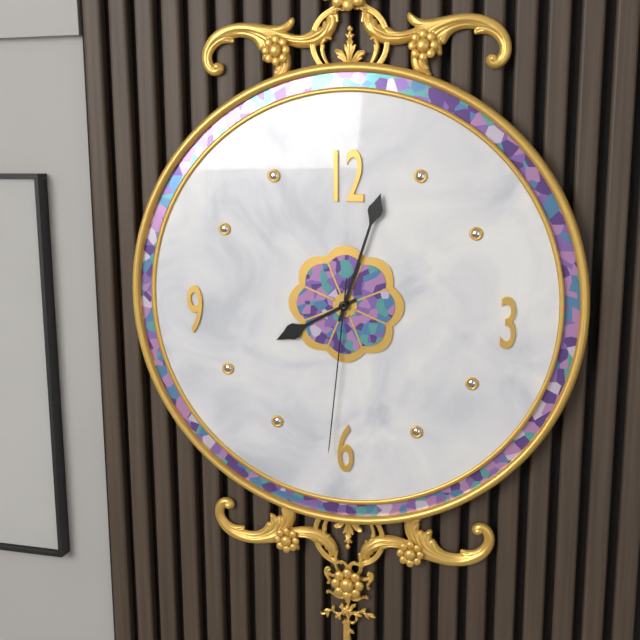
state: 8:03:31
